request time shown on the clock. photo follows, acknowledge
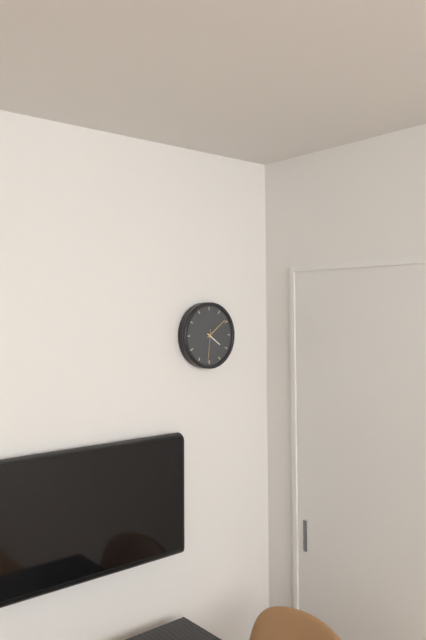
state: 4:09
